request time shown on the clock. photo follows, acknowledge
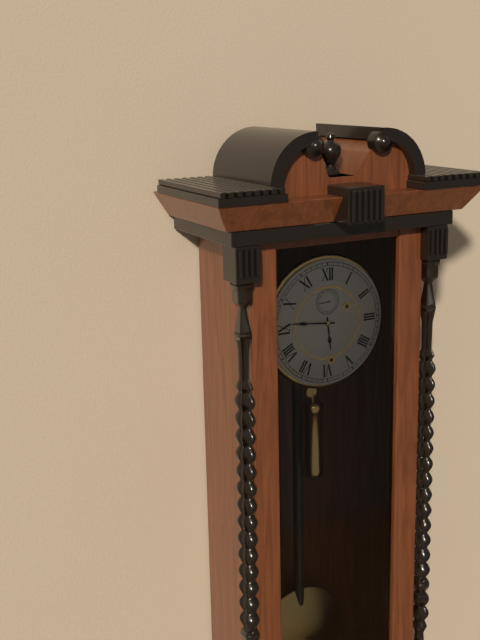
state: 5:46
